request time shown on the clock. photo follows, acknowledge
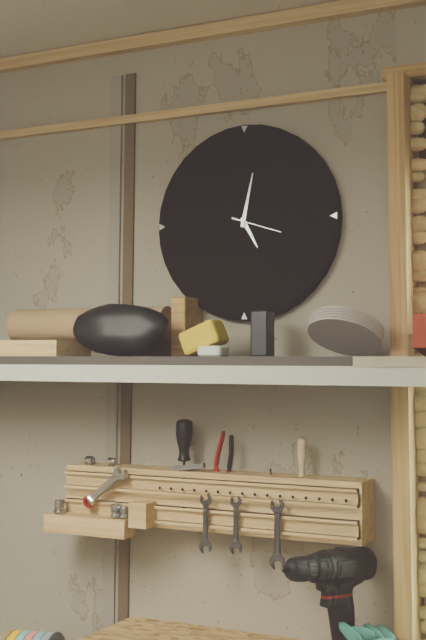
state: 5:02:18
